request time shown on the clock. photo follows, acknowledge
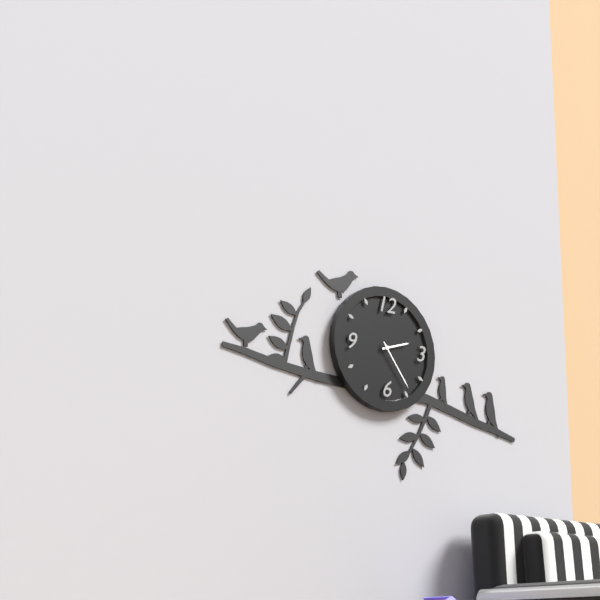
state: 2:24
